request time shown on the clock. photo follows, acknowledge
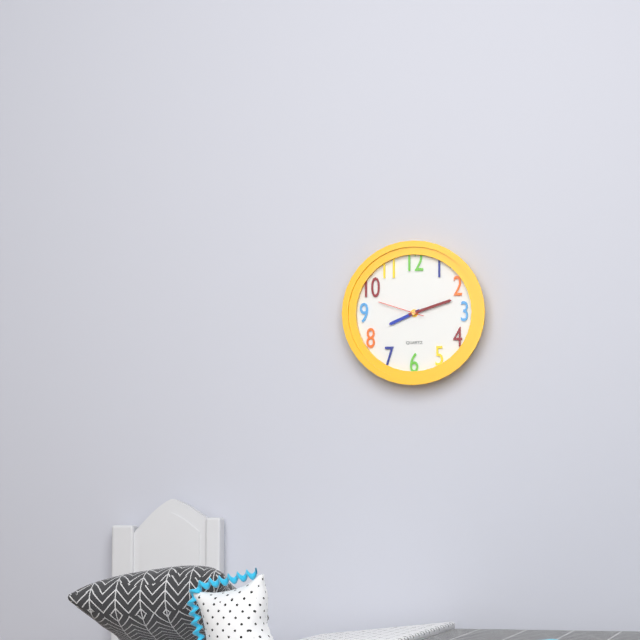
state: 8:12
